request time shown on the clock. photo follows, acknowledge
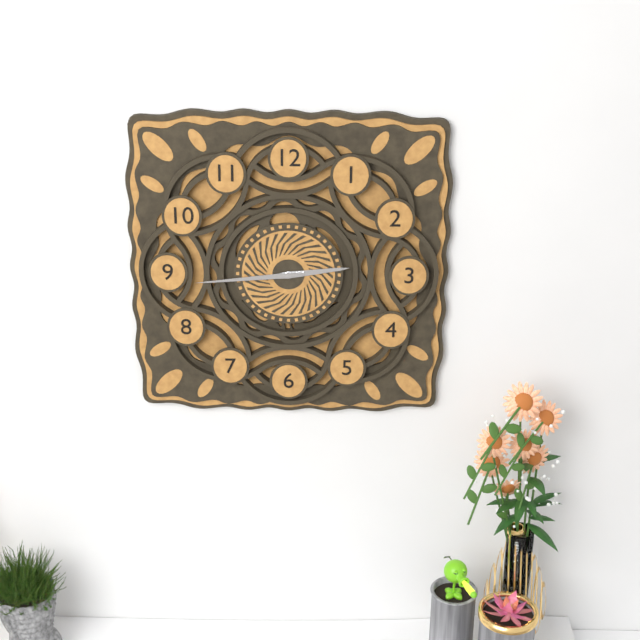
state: 2:44
